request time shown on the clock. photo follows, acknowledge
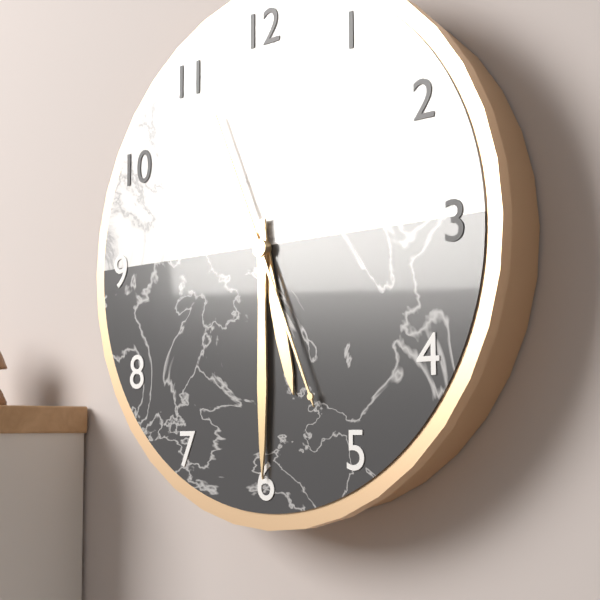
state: 5:30:26
